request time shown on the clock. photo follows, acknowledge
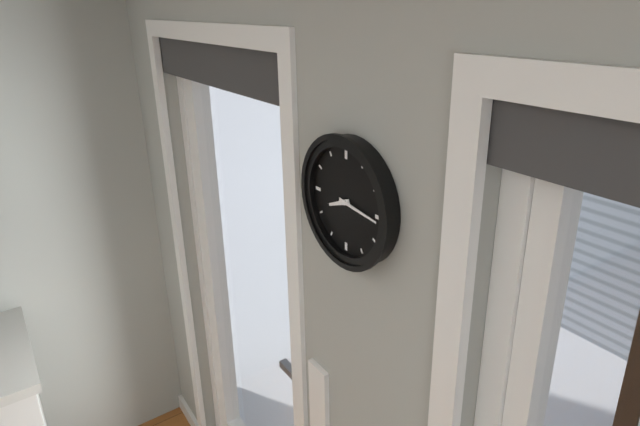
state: 8:16
